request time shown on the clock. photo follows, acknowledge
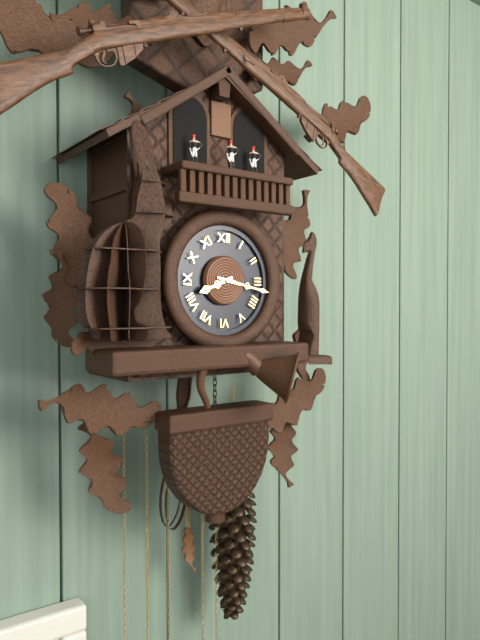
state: 8:17
